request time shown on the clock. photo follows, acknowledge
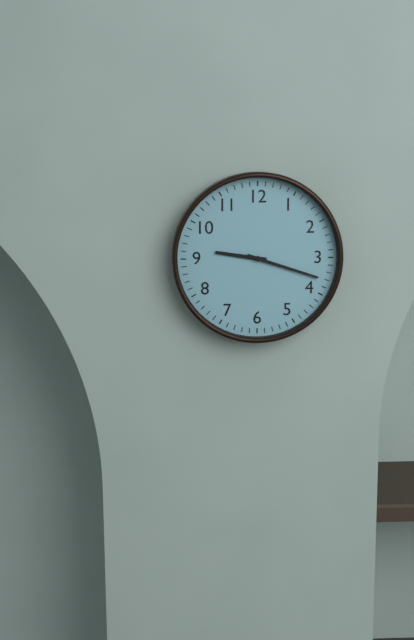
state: 9:18
